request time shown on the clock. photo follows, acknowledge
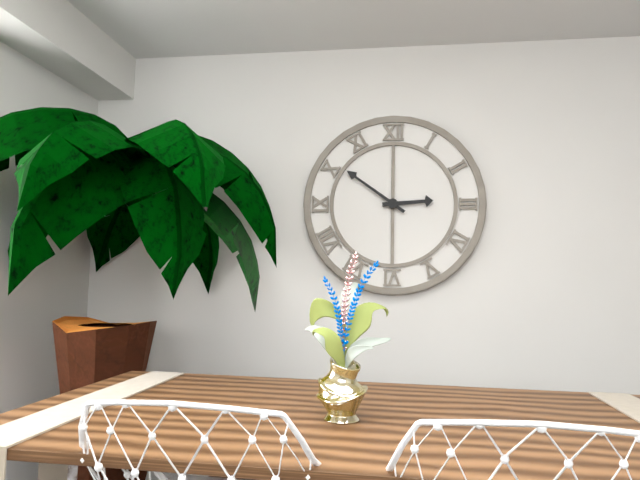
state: 2:51
